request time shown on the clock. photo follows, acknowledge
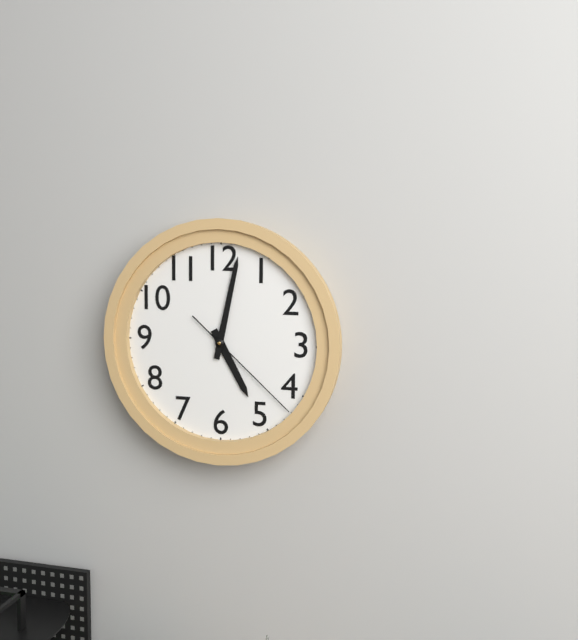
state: 5:02:22
